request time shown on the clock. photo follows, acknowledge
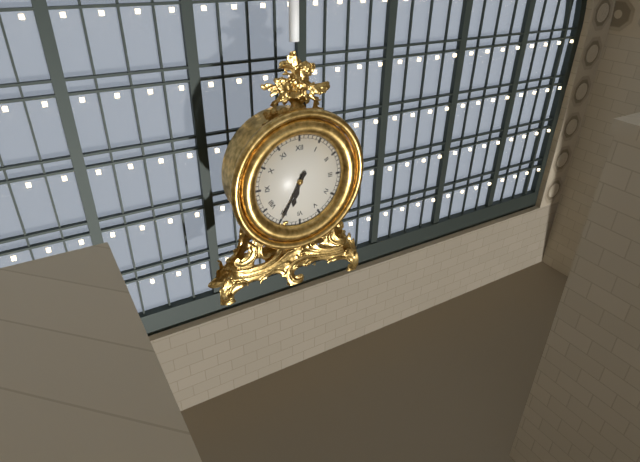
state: 6:35
